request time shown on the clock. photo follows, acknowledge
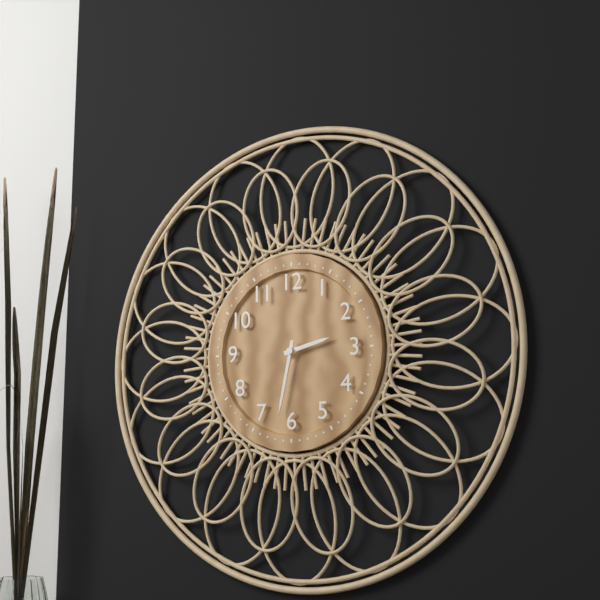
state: 2:32
